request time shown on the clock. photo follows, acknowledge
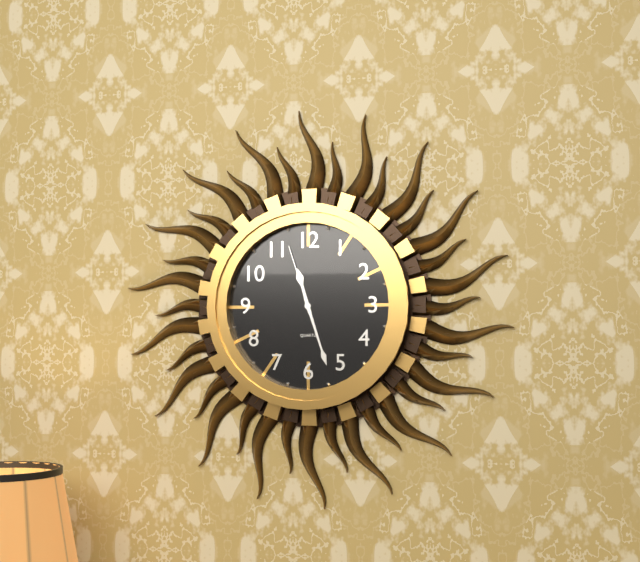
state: 11:27:57
